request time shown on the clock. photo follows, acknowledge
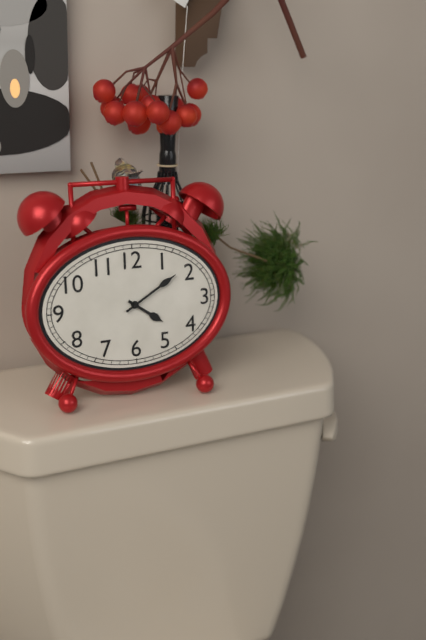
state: 4:10
